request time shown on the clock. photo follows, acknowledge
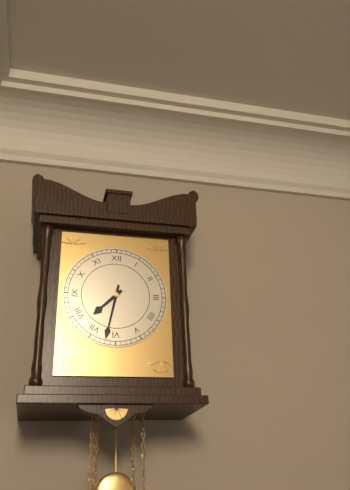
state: 7:32
